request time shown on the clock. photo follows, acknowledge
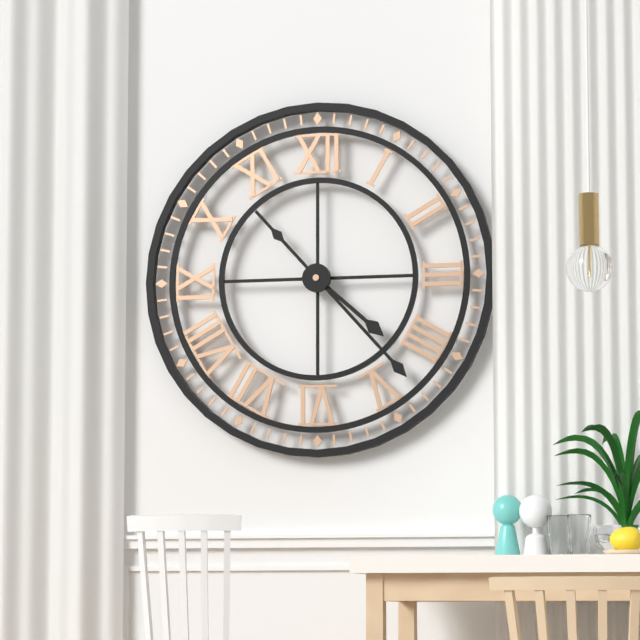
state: 4:23
